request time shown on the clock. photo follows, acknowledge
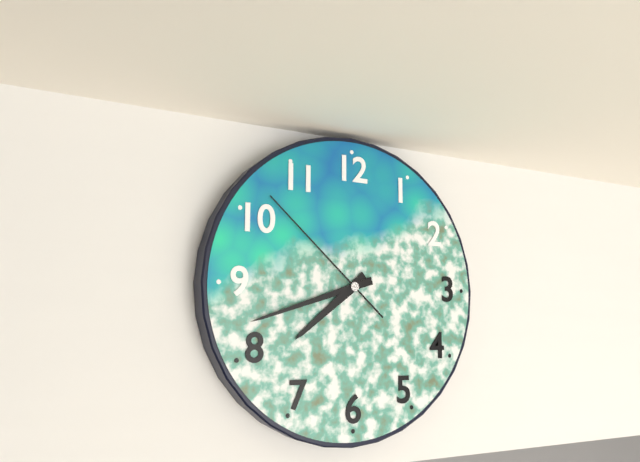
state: 7:42:52
